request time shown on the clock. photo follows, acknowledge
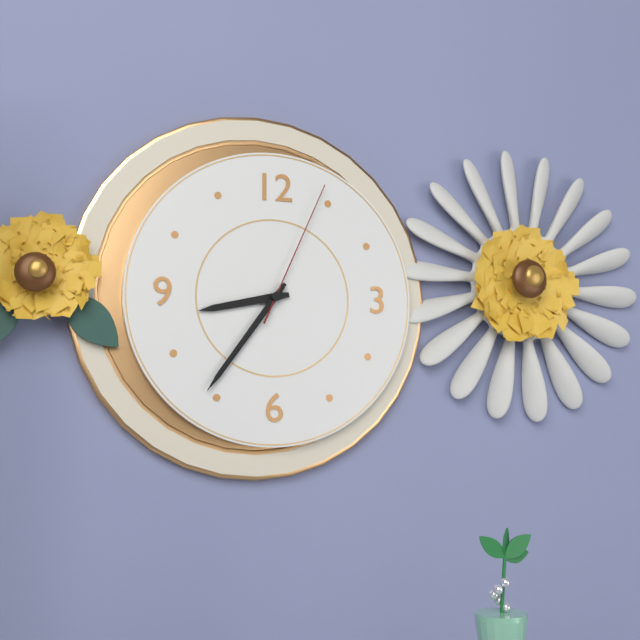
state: 8:36:04
